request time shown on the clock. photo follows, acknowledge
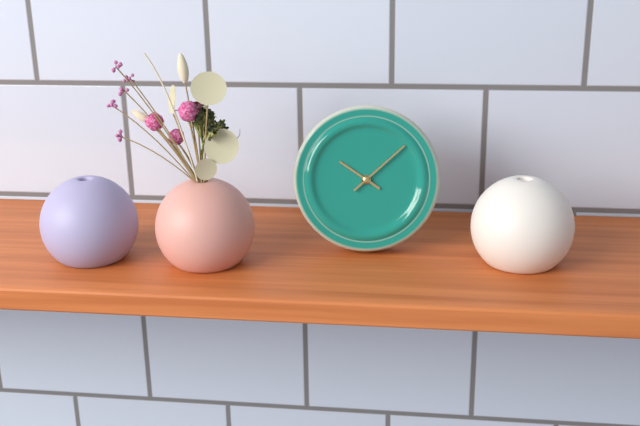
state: 10:08
